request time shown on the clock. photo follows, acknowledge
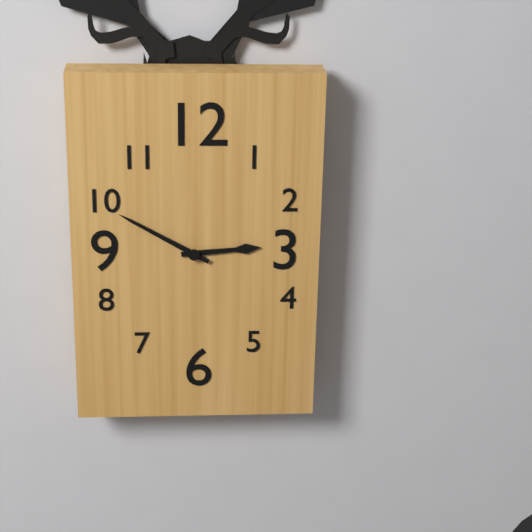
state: 2:50
